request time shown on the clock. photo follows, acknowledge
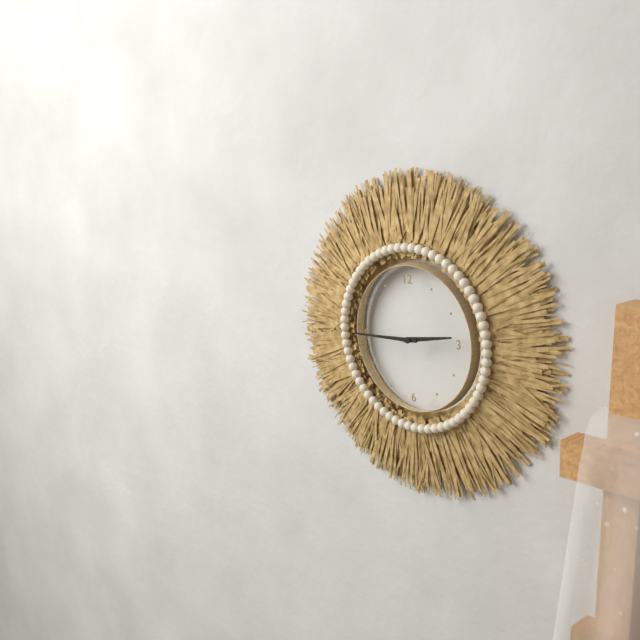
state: 2:45
